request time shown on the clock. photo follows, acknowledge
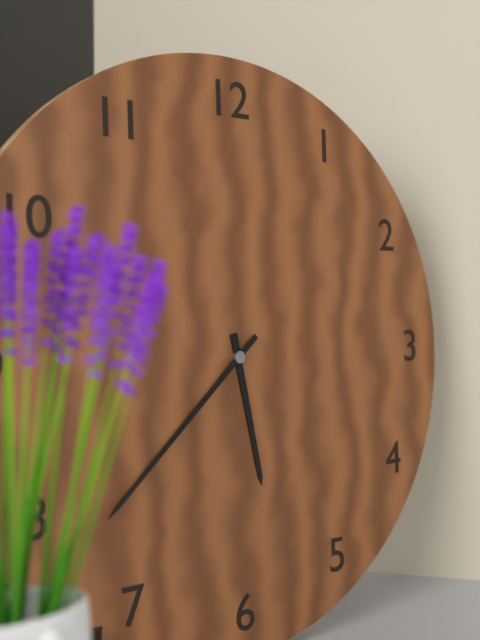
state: 5:38
